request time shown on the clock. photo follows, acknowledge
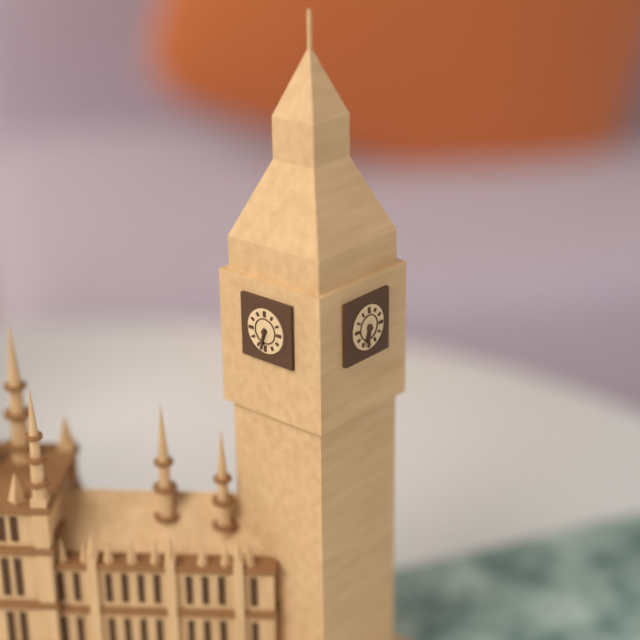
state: 6:32
